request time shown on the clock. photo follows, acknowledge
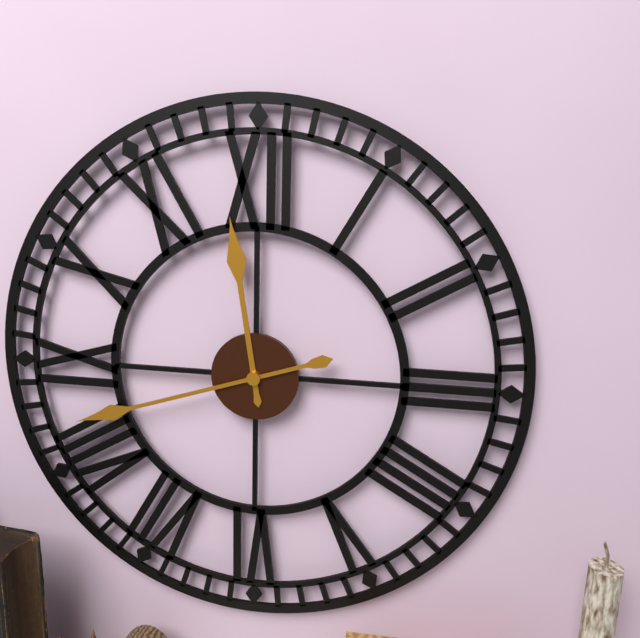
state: 11:42
